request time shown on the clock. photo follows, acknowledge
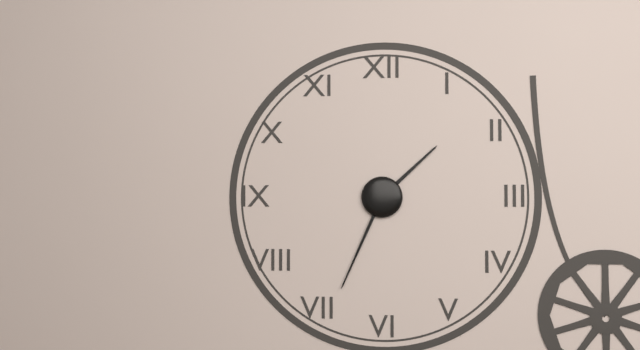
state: 1:34
